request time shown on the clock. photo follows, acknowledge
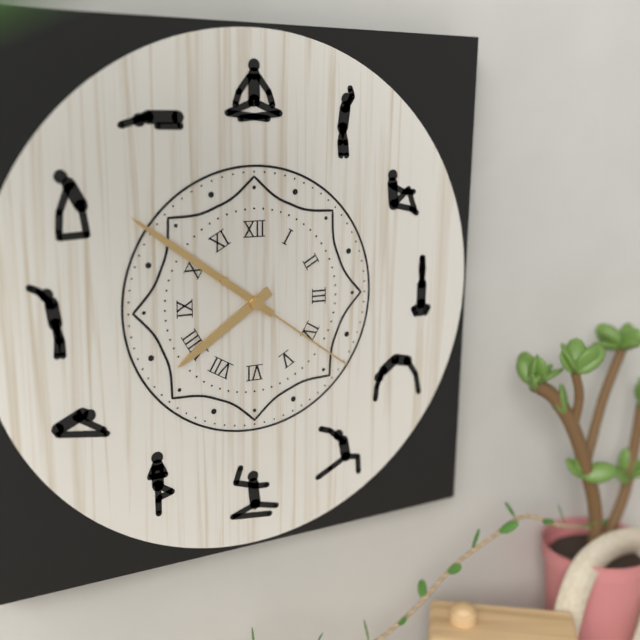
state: 7:51:21
